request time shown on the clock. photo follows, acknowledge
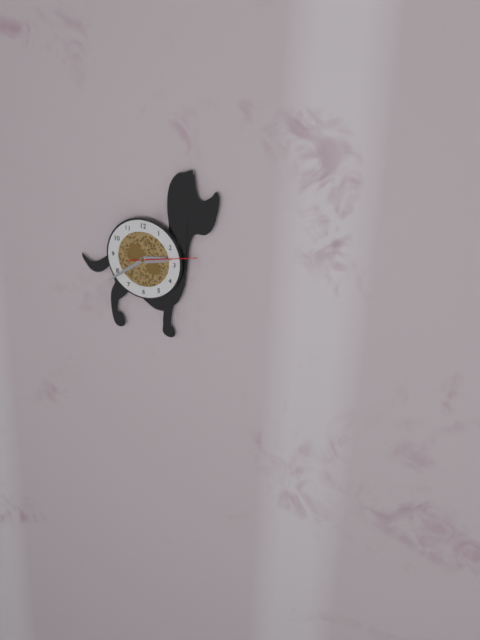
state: 2:39:13
